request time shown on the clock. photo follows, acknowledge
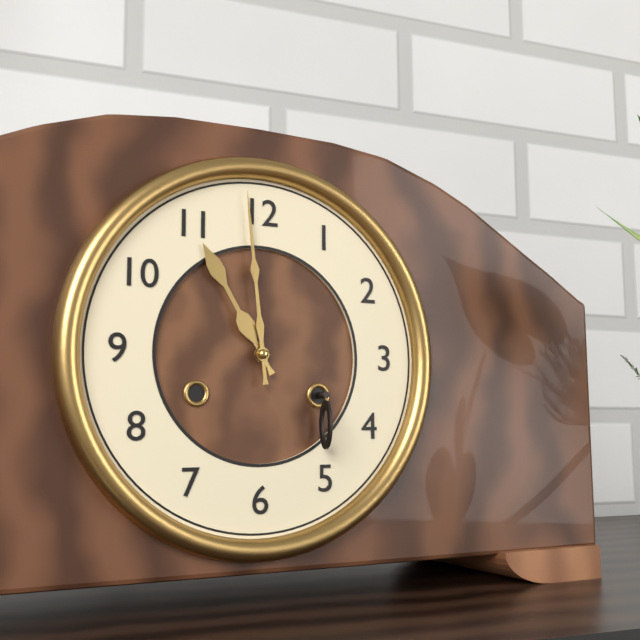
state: 10:59
